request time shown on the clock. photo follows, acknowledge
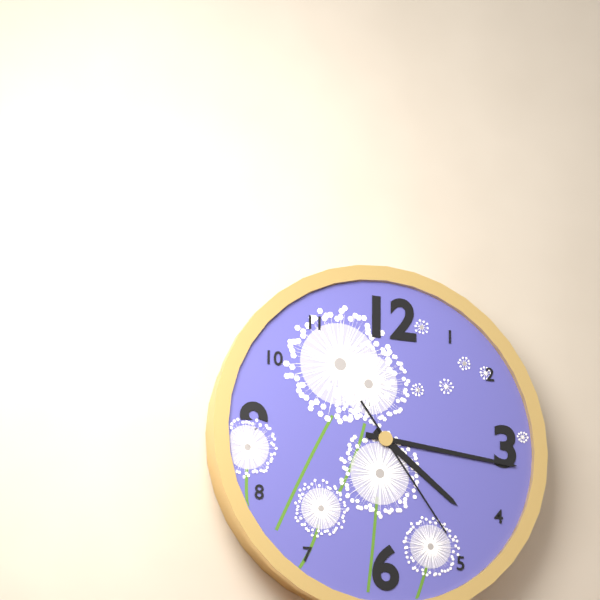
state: 4:16:24
